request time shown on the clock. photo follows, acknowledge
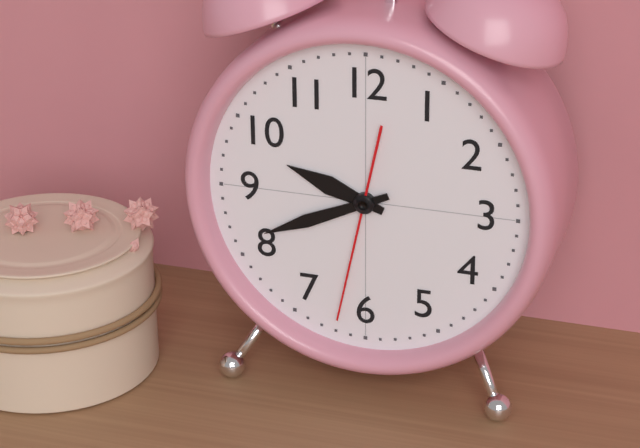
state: 9:41:32
